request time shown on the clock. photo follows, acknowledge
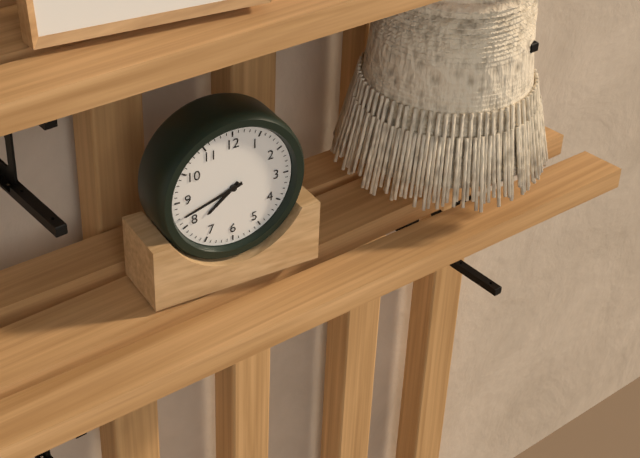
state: 7:42
